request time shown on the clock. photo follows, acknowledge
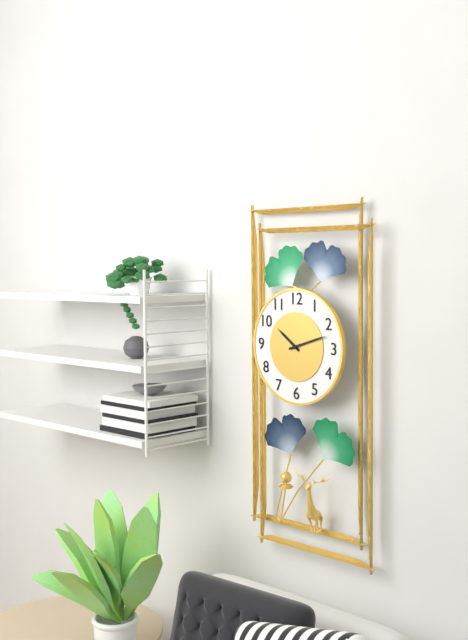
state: 10:12
